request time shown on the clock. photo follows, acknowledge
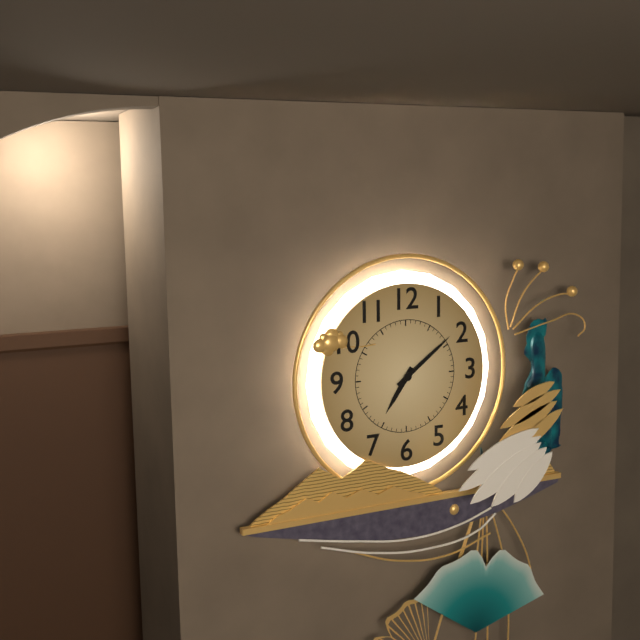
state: 7:09
